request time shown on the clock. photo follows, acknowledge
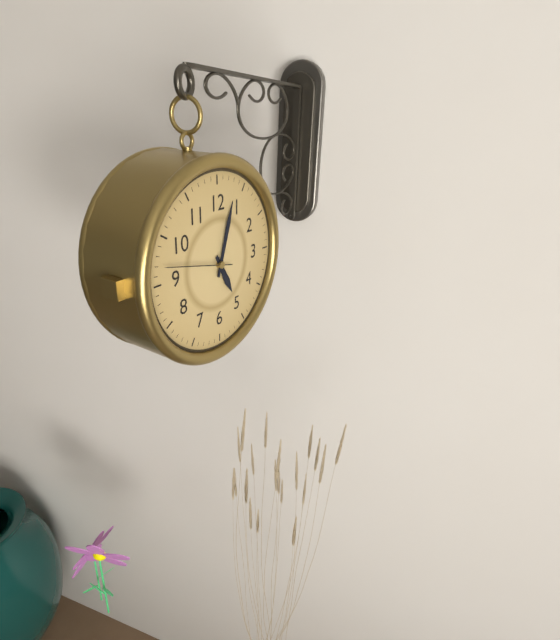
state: 5:03:47
